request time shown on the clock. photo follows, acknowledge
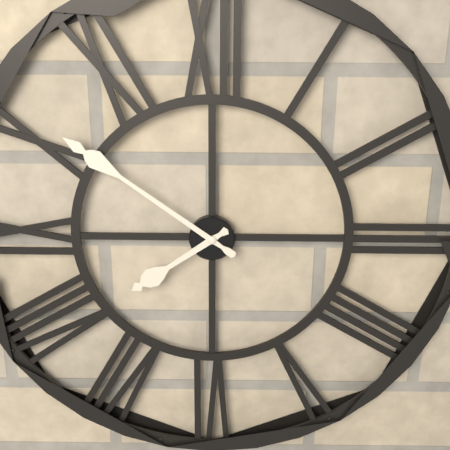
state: 7:51
